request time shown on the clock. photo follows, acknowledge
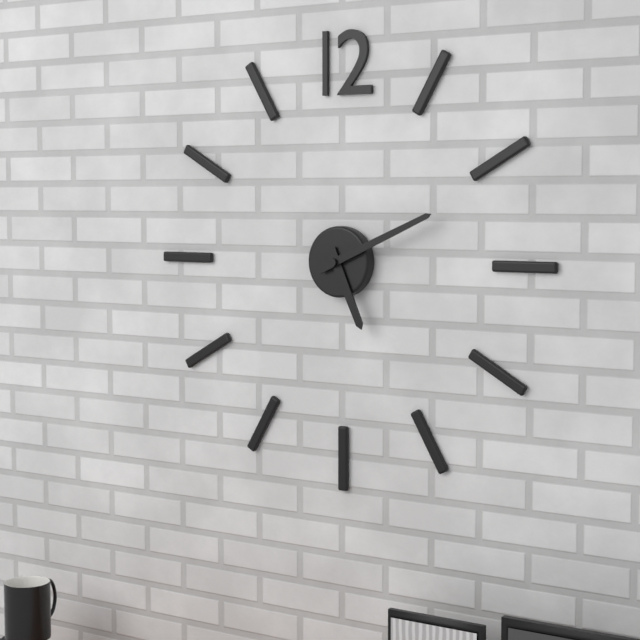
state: 5:11
